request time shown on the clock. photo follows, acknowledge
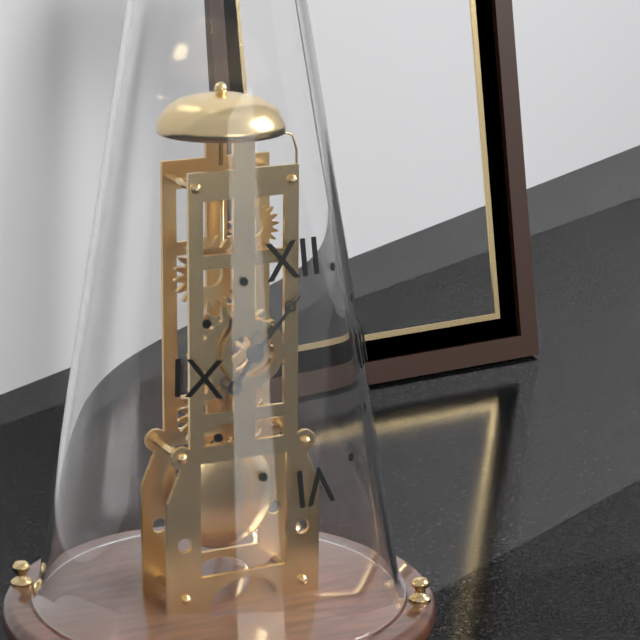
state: 7:07
